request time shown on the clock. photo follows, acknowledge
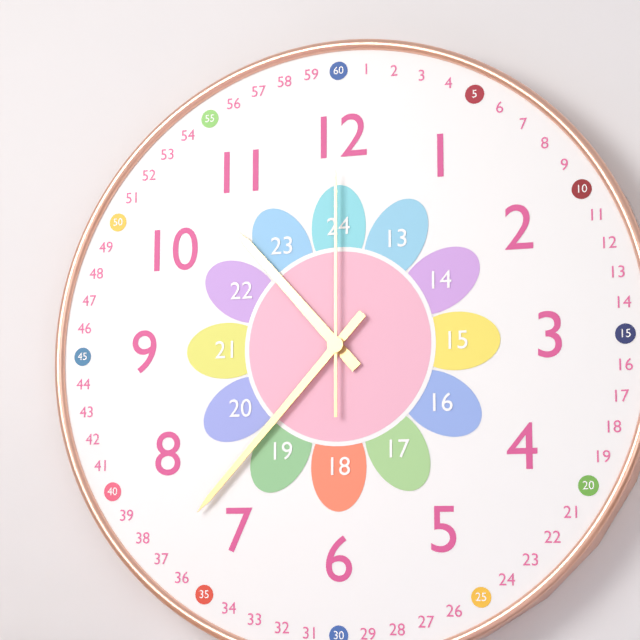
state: 10:37:00
